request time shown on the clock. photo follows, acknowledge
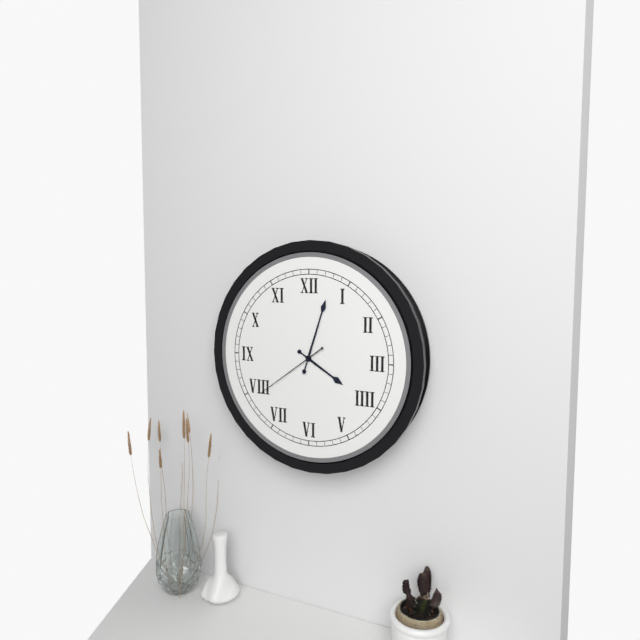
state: 4:03:39
